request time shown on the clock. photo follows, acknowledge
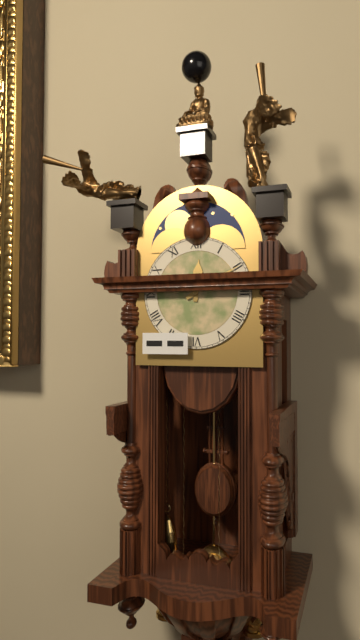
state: 12:10
